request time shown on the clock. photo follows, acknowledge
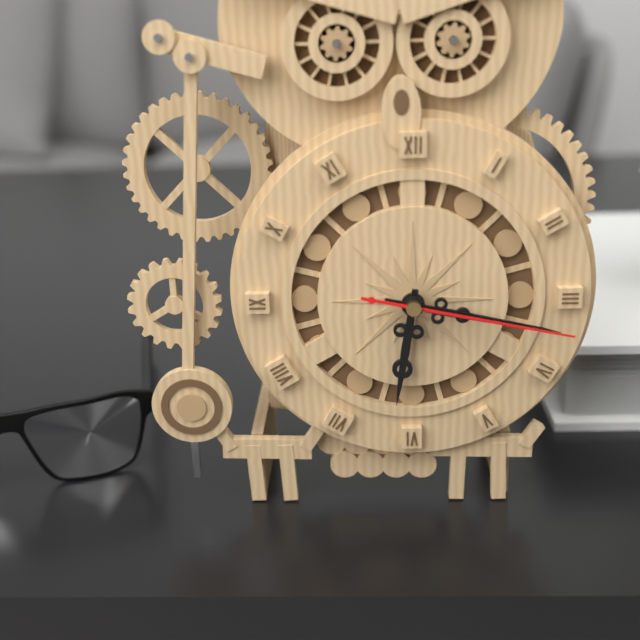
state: 6:17:17
